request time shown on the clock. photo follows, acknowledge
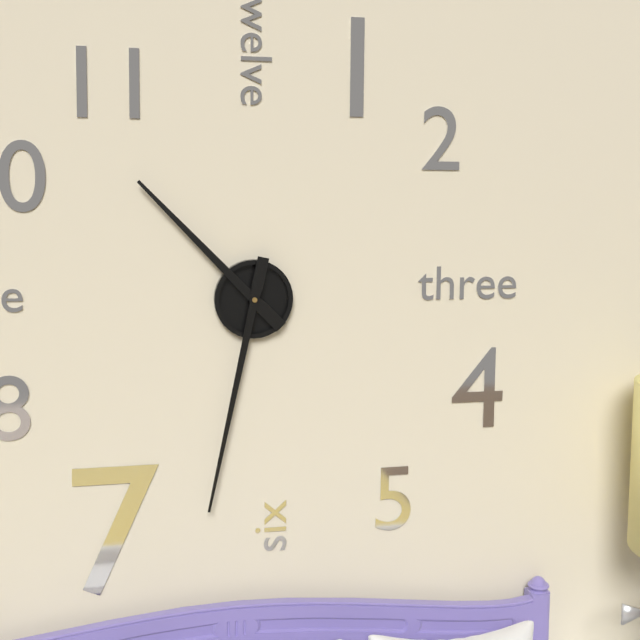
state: 10:32
